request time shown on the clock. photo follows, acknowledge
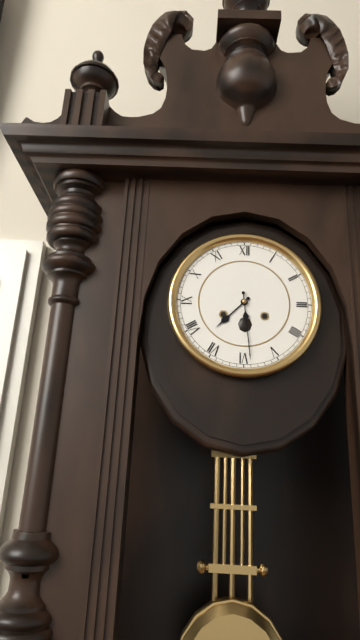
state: 7:29
